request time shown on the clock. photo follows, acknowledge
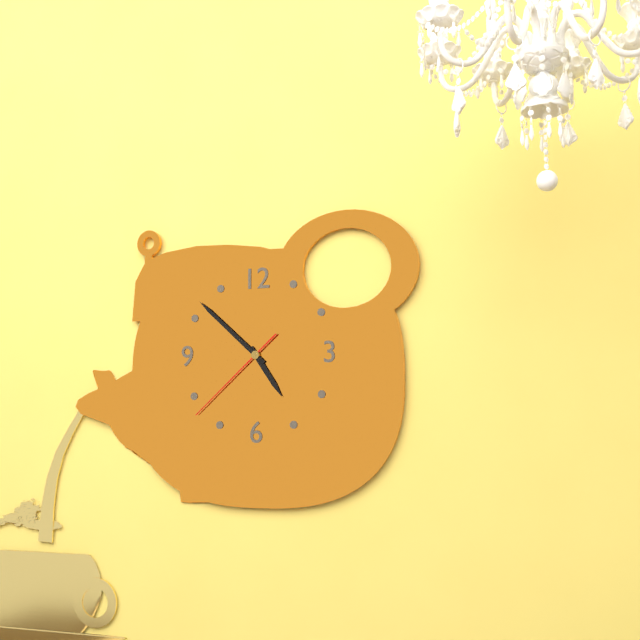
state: 4:52:38
